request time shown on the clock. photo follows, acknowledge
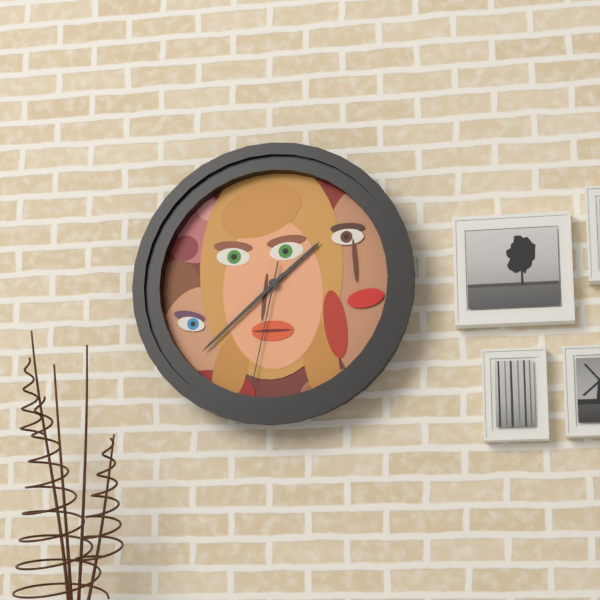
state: 1:38:32
